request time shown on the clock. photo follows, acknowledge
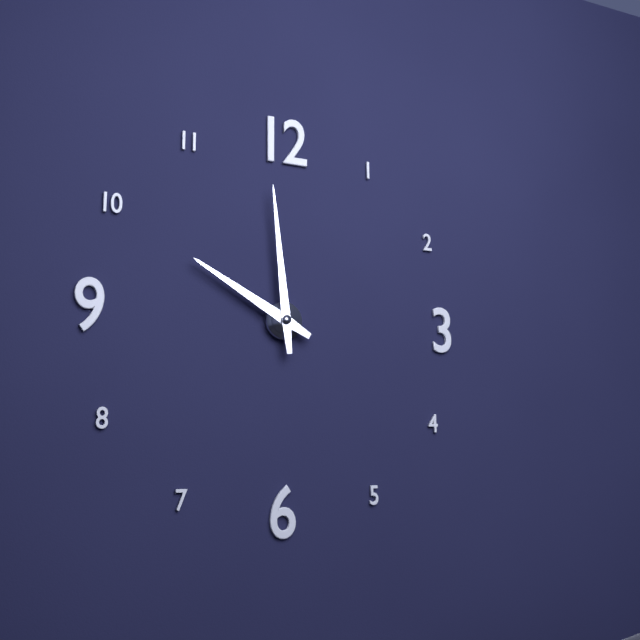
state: 9:59
